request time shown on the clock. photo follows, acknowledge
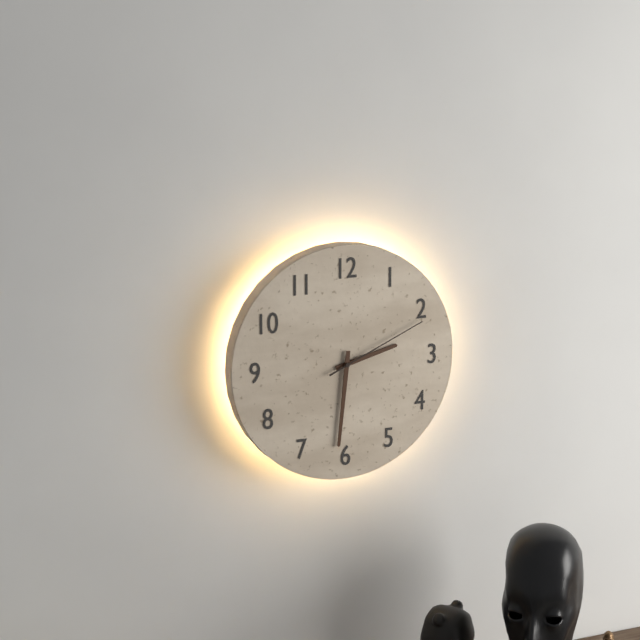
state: 2:31:11
